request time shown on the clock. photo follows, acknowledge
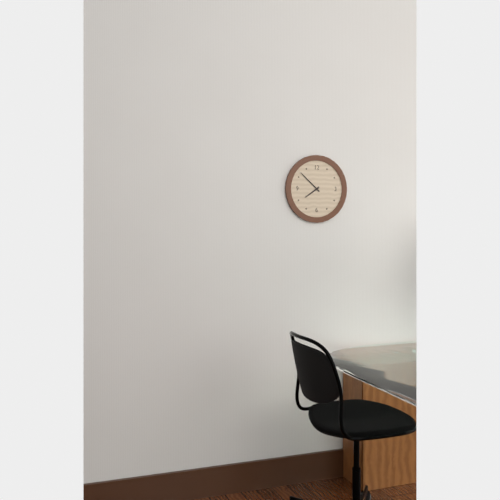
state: 7:52
